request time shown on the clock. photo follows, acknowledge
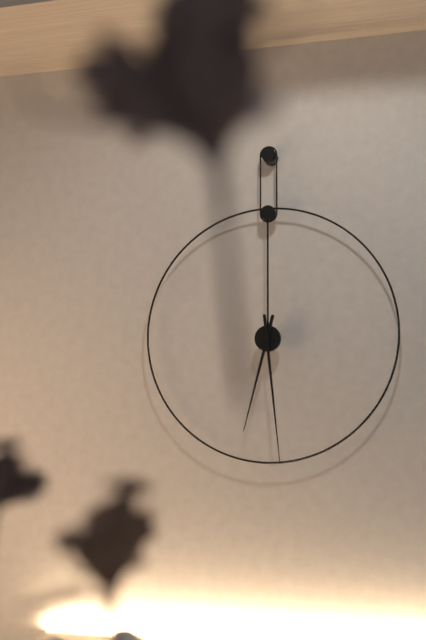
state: 6:29
